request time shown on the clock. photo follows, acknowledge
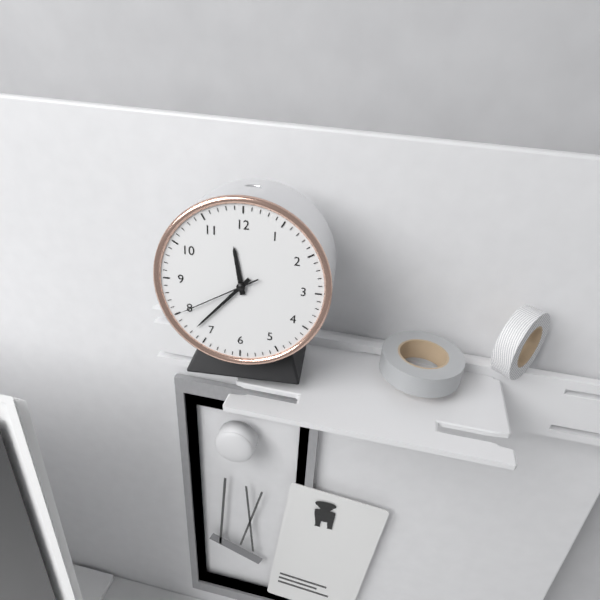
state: 11:37:40
